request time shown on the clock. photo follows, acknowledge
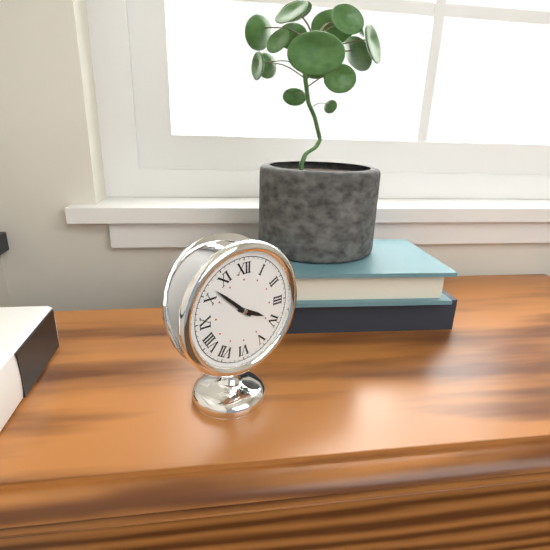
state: 3:52
